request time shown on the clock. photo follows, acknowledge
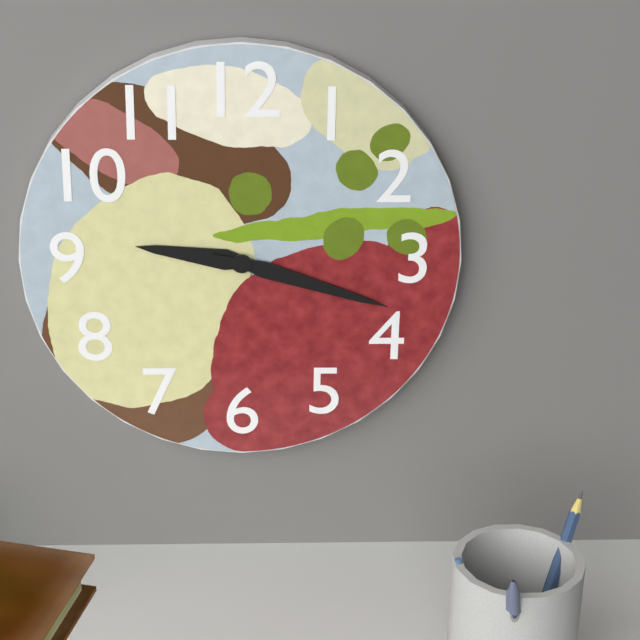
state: 9:18
